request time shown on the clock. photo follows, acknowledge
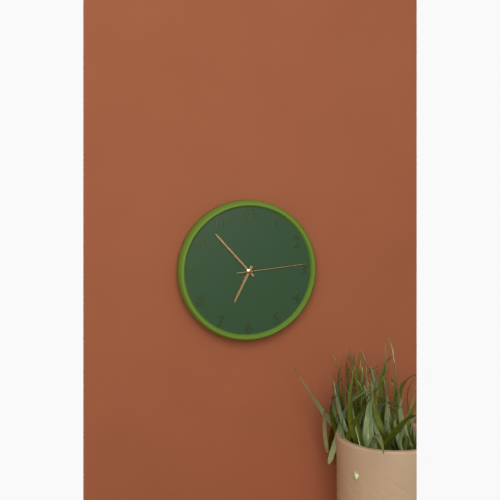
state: 6:53:14
